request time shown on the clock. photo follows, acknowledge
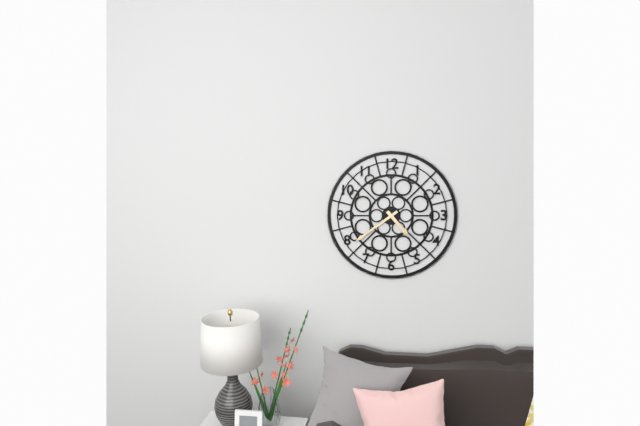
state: 4:39
